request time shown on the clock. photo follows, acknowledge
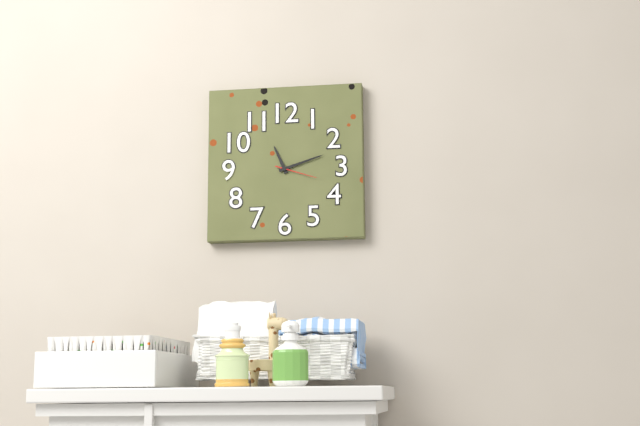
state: 11:12
